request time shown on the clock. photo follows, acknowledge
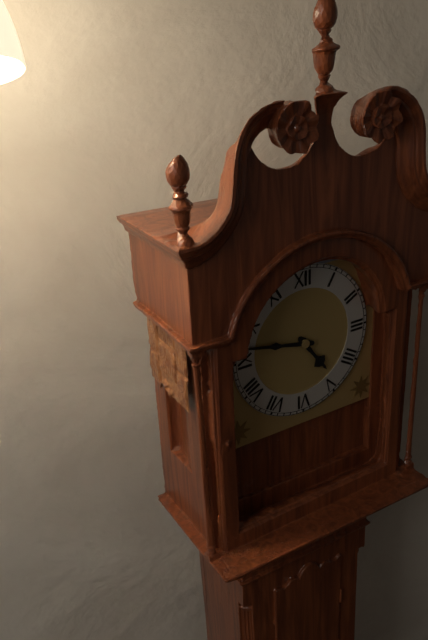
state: 4:47
